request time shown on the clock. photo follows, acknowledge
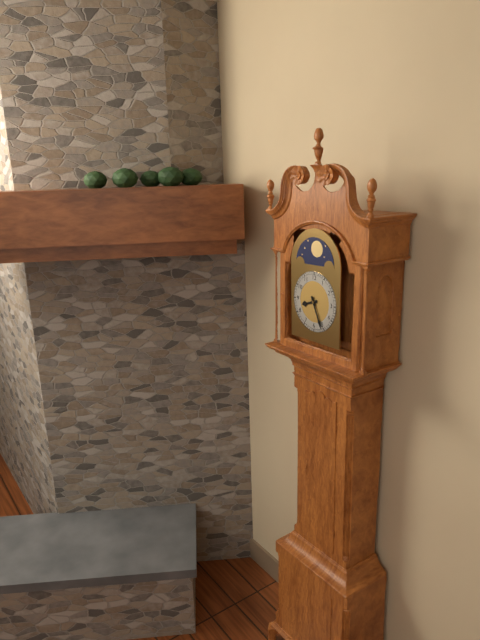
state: 8:26
